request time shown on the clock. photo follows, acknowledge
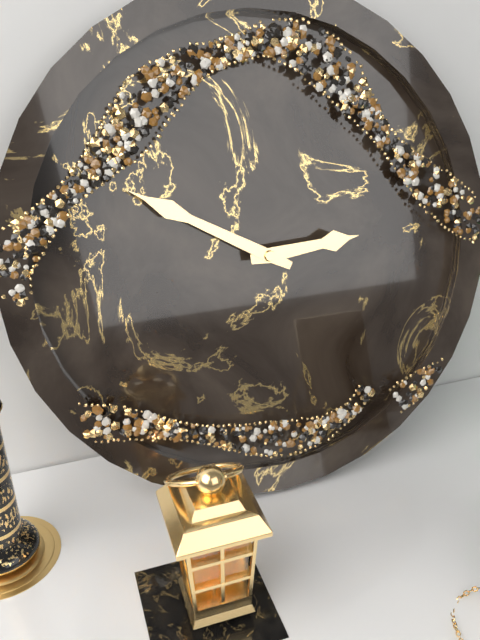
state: 2:50
